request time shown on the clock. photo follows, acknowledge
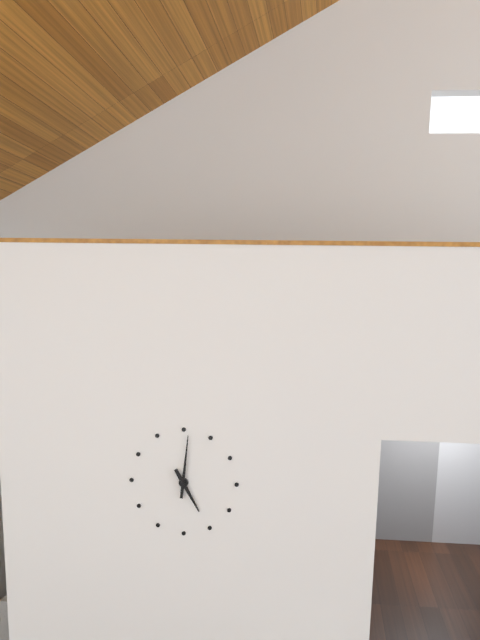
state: 5:01
